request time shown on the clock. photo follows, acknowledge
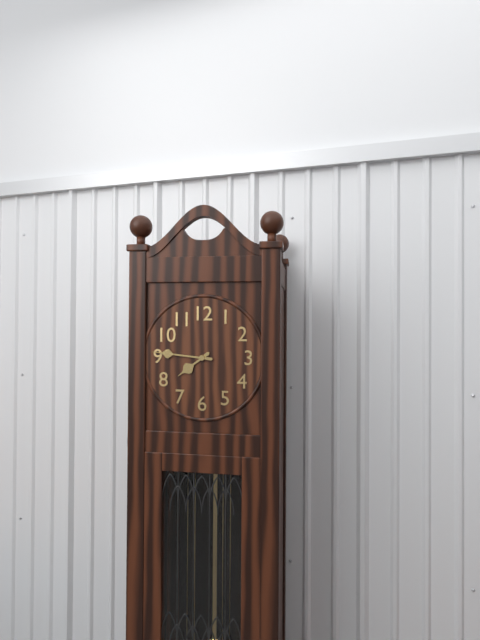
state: 7:46
